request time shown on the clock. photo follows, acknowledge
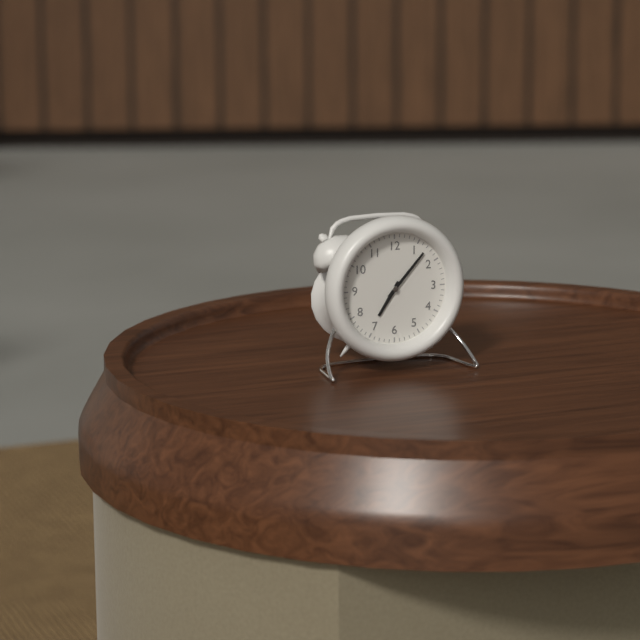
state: 7:07
